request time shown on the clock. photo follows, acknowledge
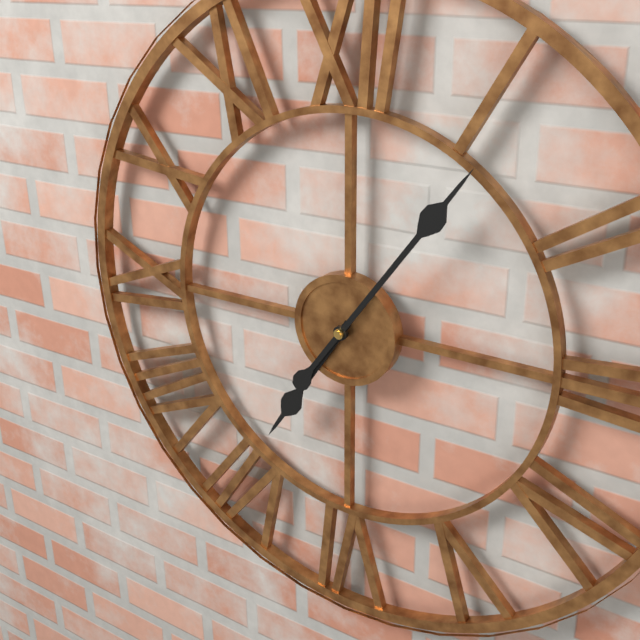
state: 7:06
